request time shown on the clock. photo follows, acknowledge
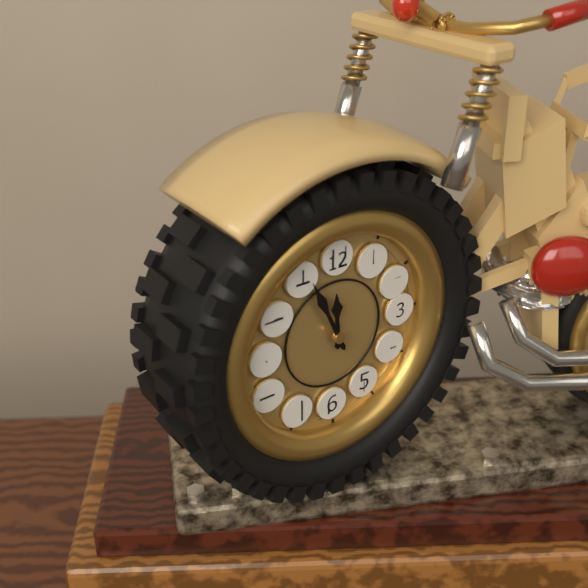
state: 11:56
